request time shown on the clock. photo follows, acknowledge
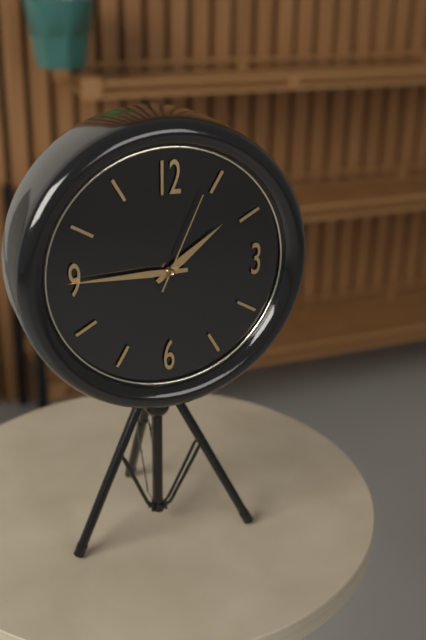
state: 1:45:04
